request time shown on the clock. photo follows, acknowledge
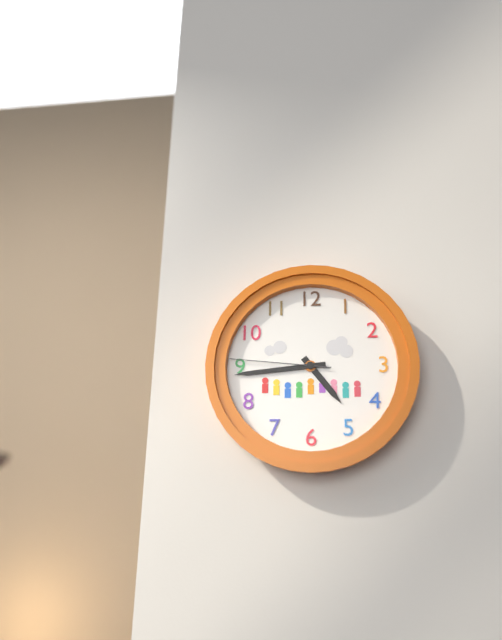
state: 4:44:46
